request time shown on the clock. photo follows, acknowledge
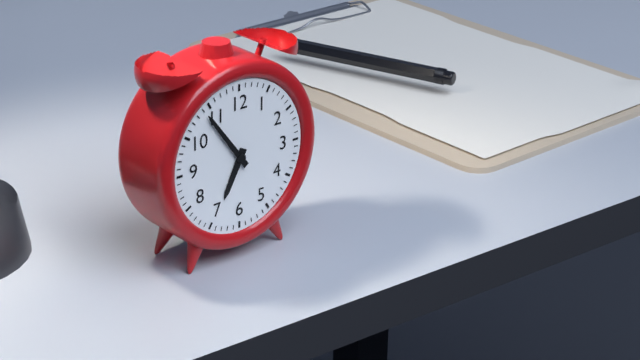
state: 6:54
